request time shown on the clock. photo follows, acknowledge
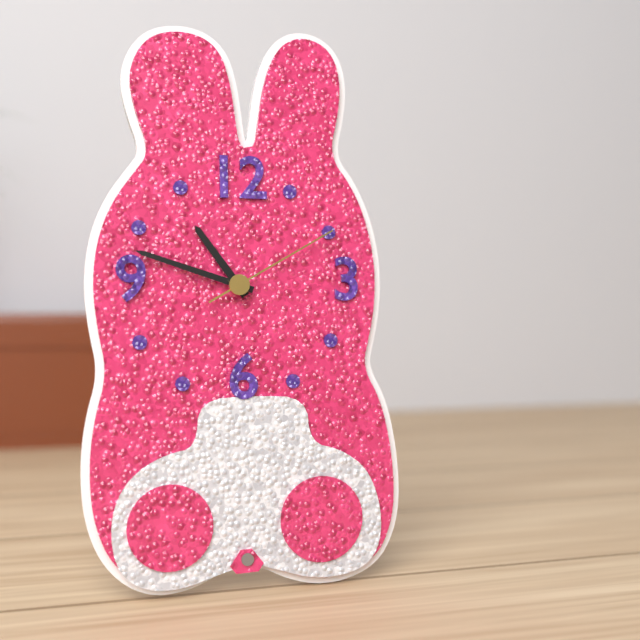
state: 10:48:10
